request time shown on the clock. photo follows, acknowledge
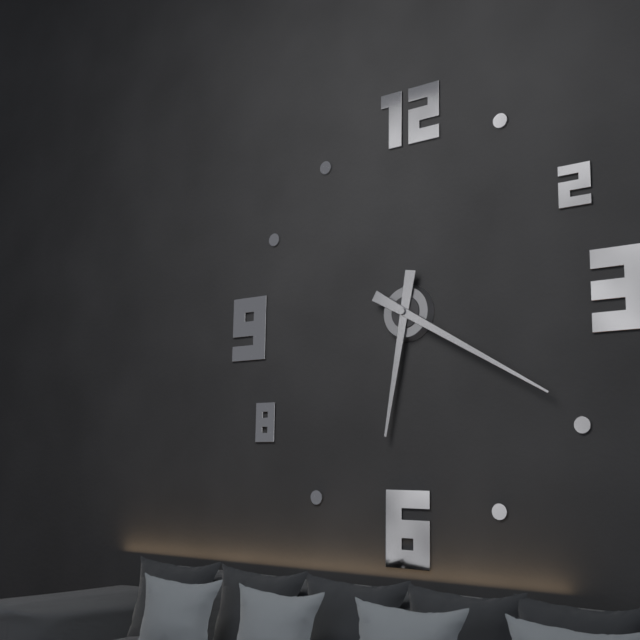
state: 6:20
